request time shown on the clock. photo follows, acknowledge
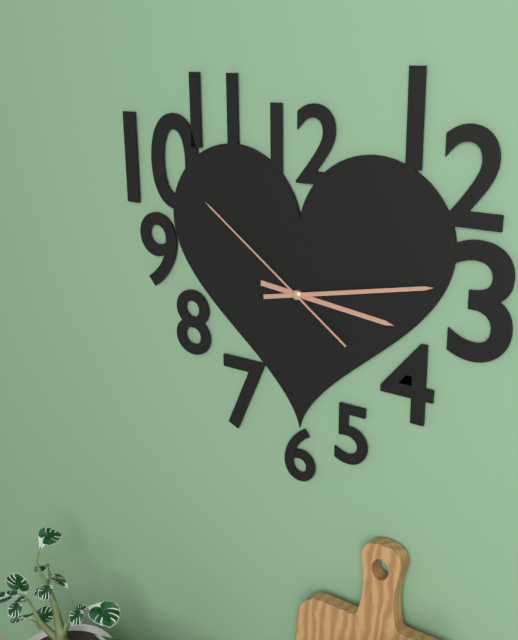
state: 3:13:51
